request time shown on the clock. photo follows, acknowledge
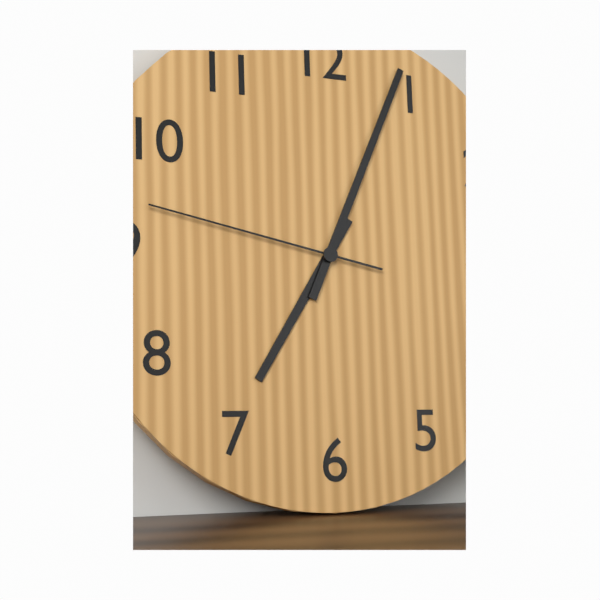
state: 7:04:47
